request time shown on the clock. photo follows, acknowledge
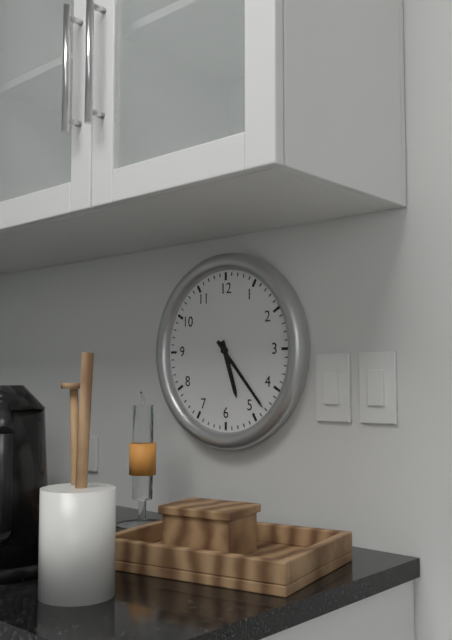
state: 5:23
